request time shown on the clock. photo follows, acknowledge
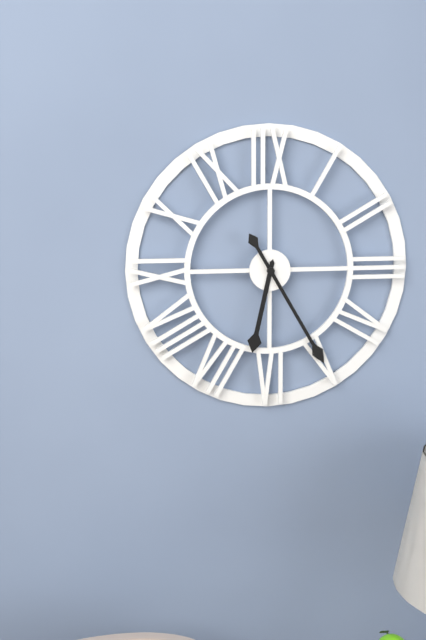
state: 6:25
